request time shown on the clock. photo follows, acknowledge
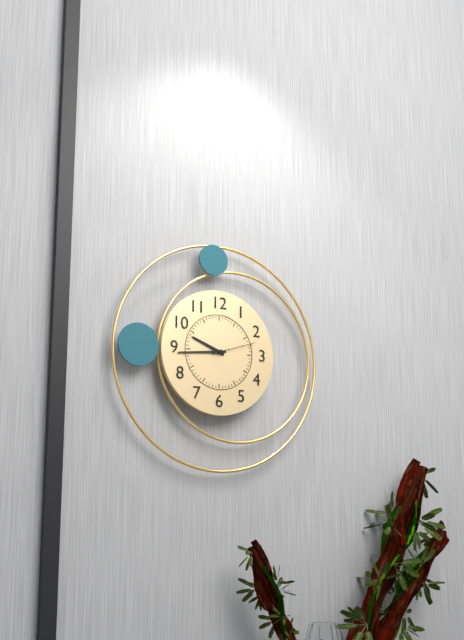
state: 9:44
